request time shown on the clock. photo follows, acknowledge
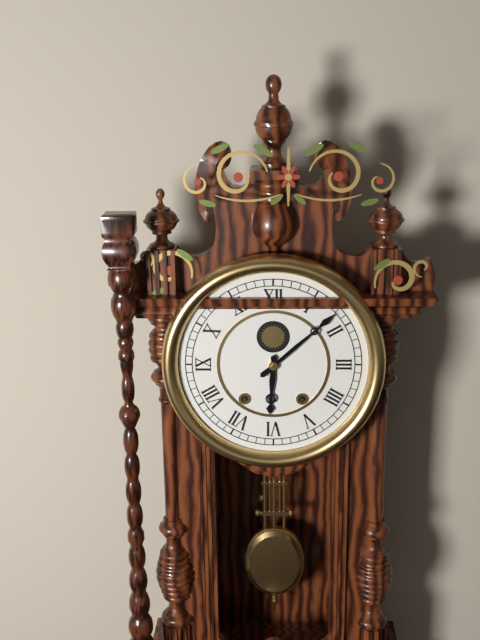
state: 6:08
